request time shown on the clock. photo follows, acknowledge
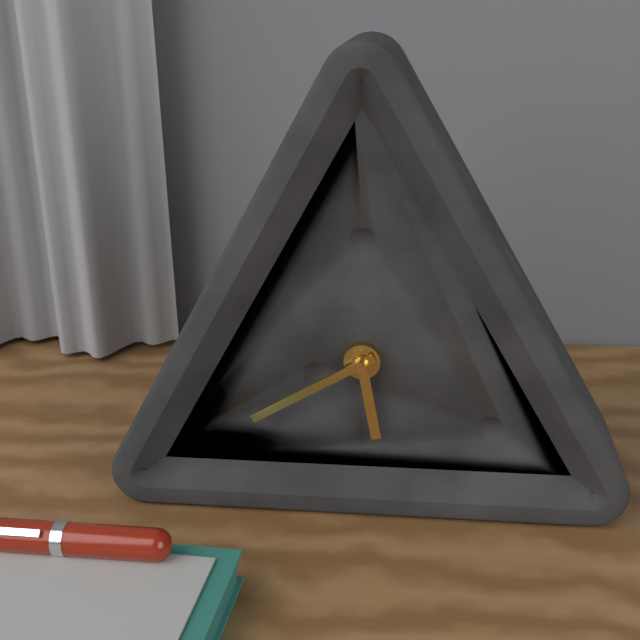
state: 5:40
